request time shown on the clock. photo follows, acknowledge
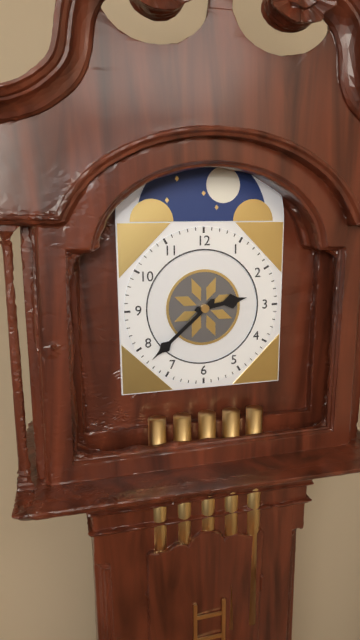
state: 2:38
